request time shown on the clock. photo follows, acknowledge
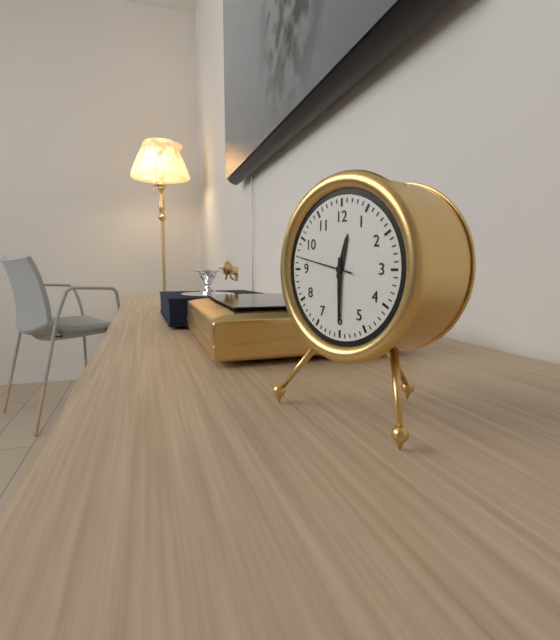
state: 12:30:47
